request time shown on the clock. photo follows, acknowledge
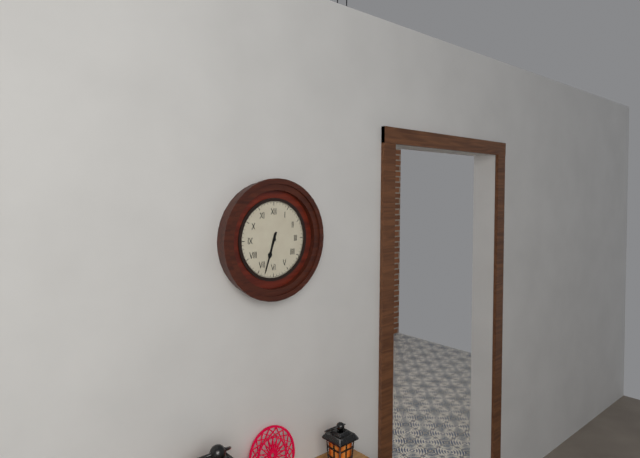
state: 6:33
